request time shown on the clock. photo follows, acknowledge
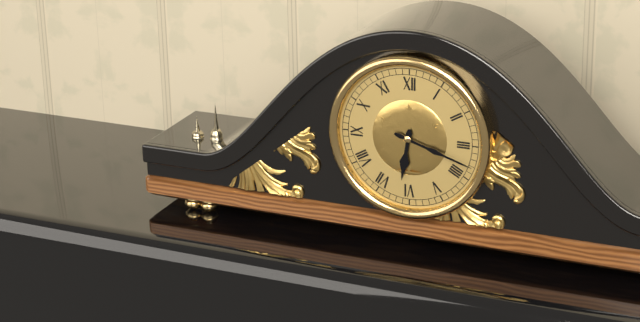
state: 6:18
